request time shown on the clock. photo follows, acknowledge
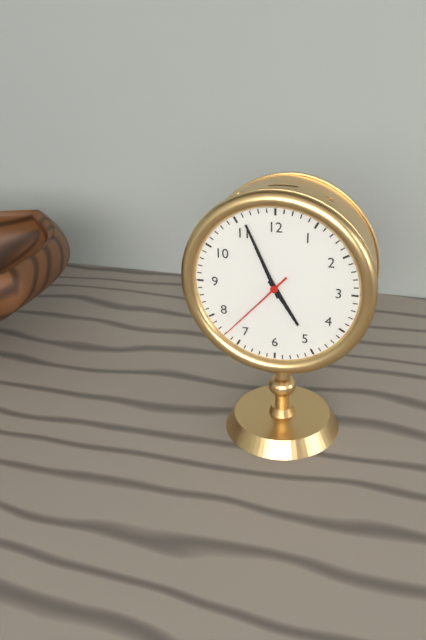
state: 4:56:37
